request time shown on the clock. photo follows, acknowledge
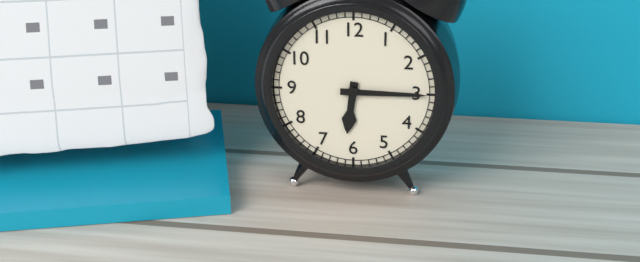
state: 6:15
